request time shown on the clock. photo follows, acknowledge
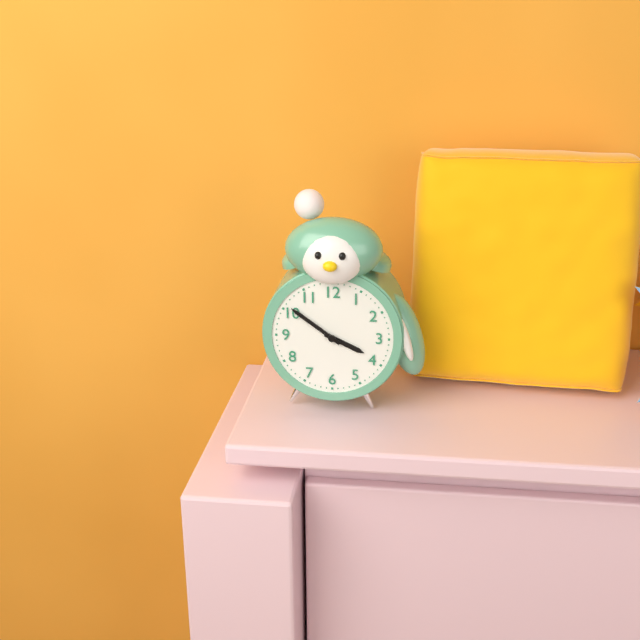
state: 3:51
